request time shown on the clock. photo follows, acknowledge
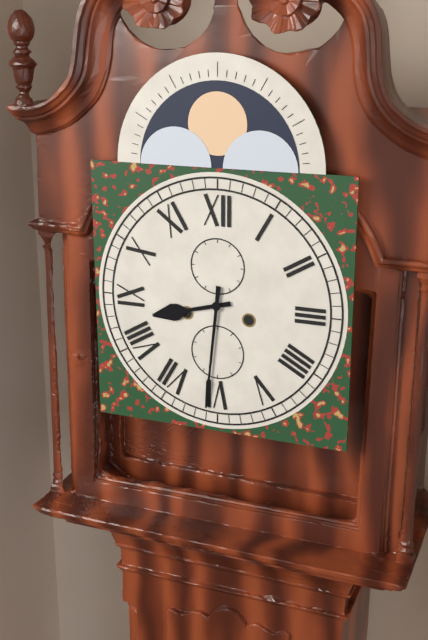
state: 8:31
